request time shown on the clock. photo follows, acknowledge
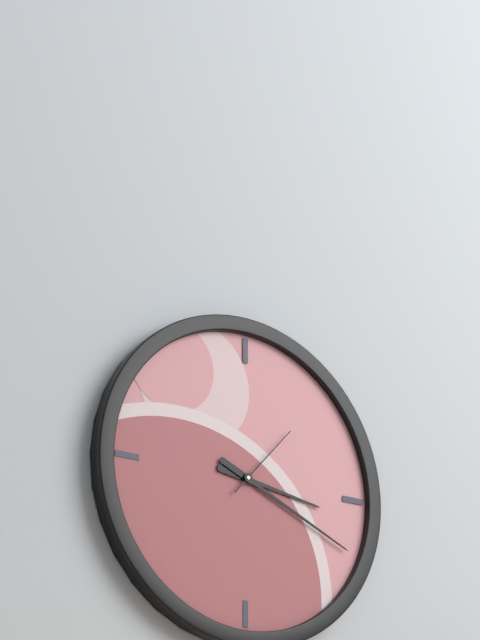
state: 3:19:07
